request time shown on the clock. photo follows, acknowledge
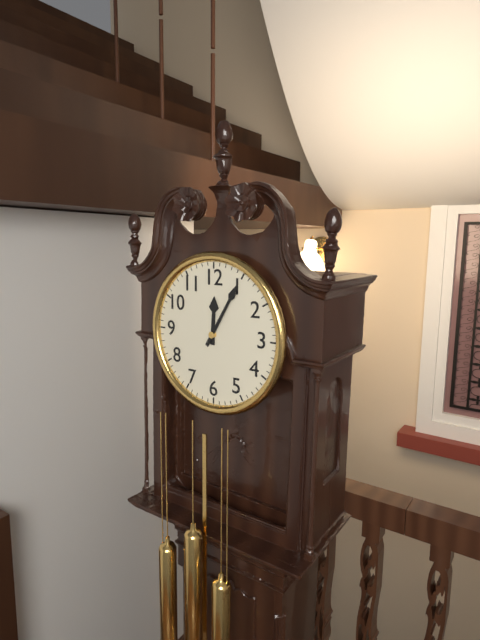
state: 12:05
